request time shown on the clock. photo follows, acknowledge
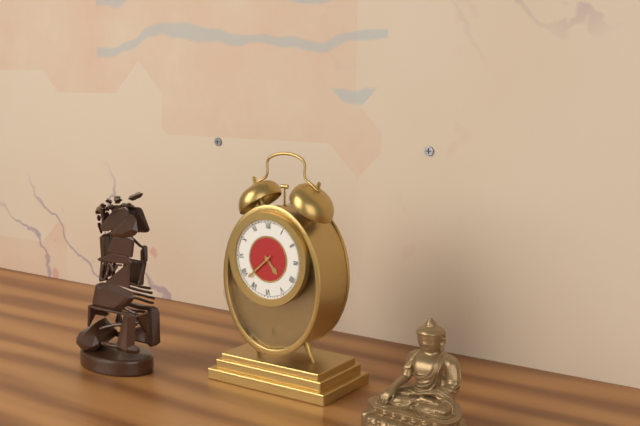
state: 4:38
